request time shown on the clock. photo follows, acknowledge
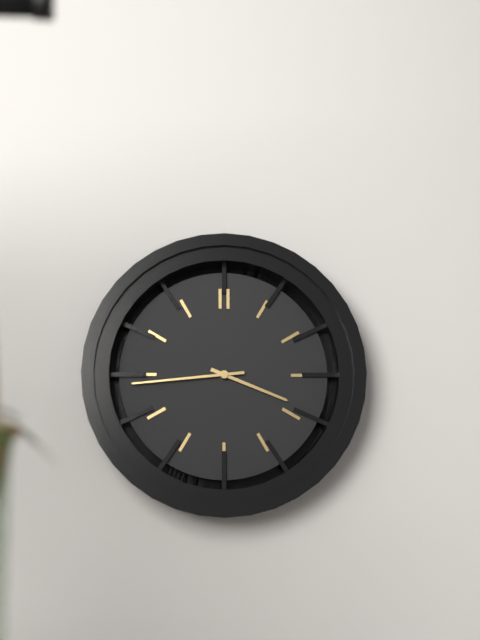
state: 3:44
